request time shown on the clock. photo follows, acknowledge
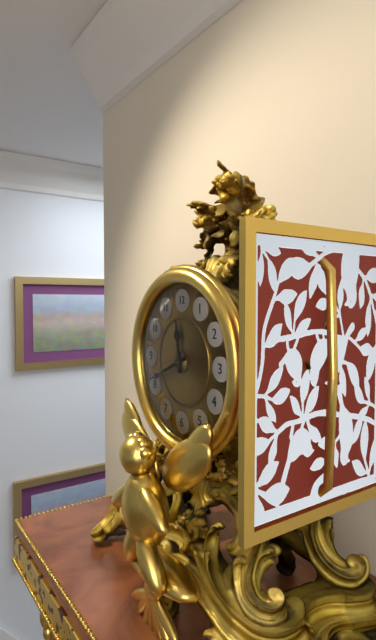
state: 11:41
